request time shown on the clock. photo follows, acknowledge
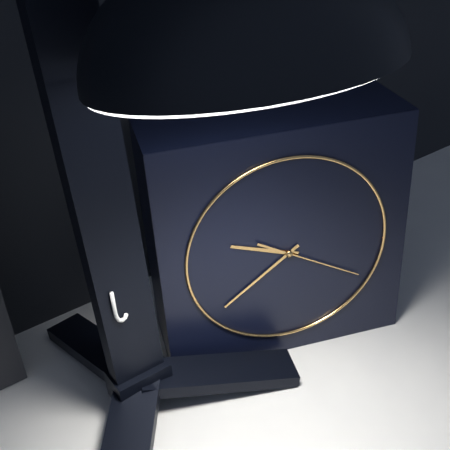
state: 9:39:20
